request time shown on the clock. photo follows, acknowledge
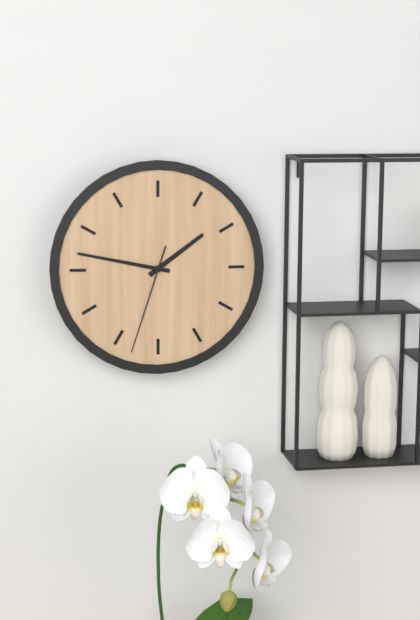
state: 1:47:33
